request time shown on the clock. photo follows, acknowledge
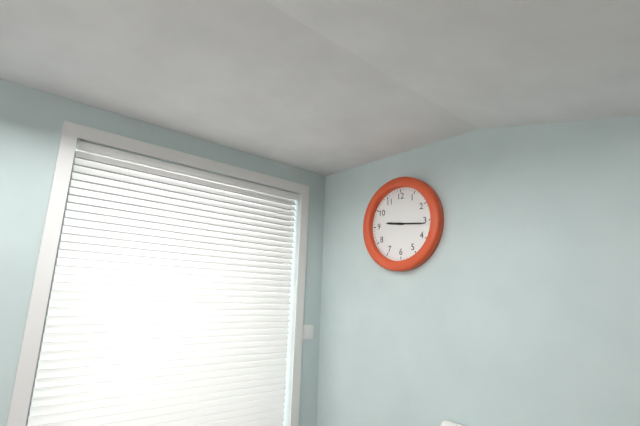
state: 9:16
